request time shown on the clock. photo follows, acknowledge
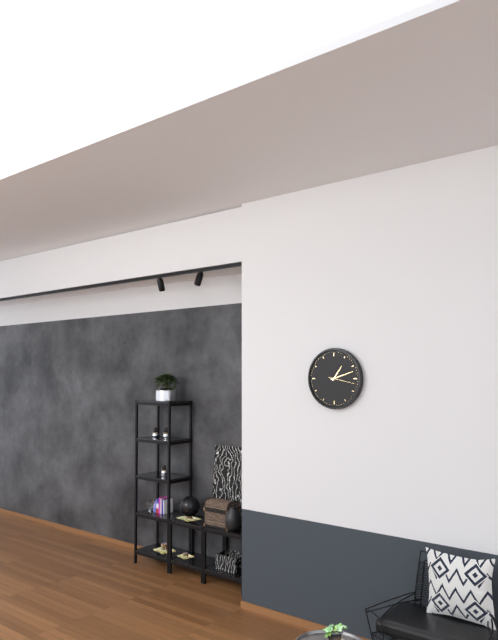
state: 1:12
